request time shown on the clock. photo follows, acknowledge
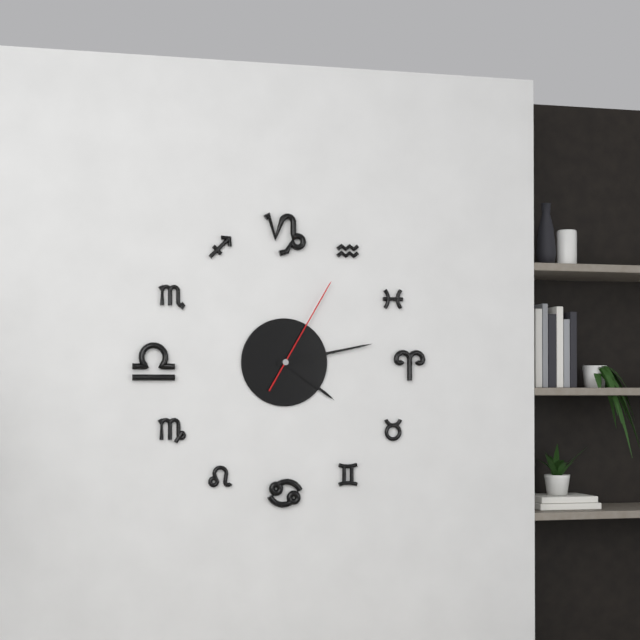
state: 4:13:05
